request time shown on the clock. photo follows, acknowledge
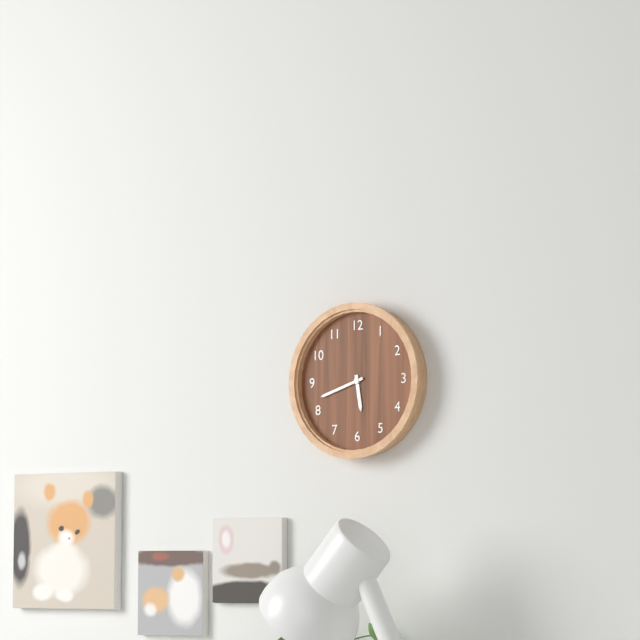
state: 5:42
